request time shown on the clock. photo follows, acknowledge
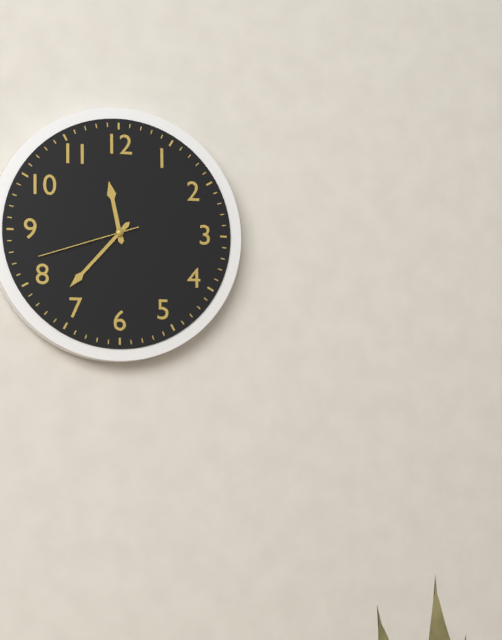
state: 11:37:42
